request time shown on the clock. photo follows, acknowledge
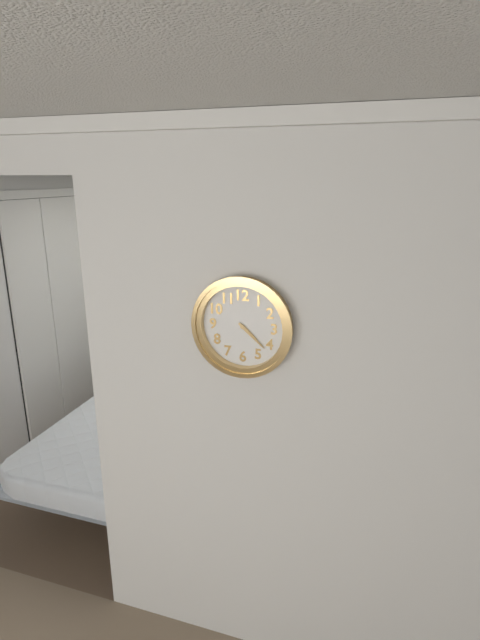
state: 4:22
